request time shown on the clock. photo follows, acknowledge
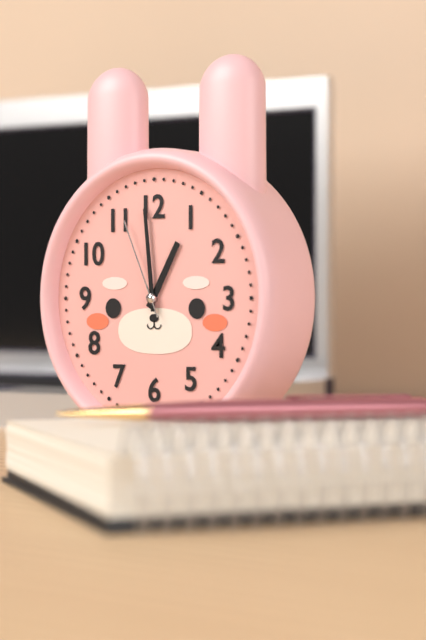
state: 12:59:56
